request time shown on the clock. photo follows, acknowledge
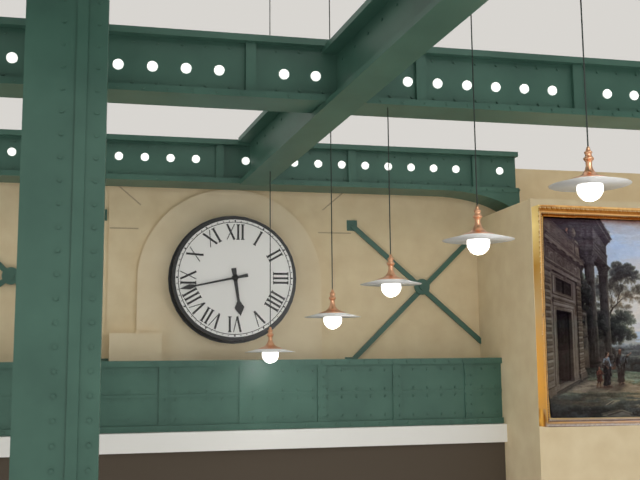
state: 5:43
